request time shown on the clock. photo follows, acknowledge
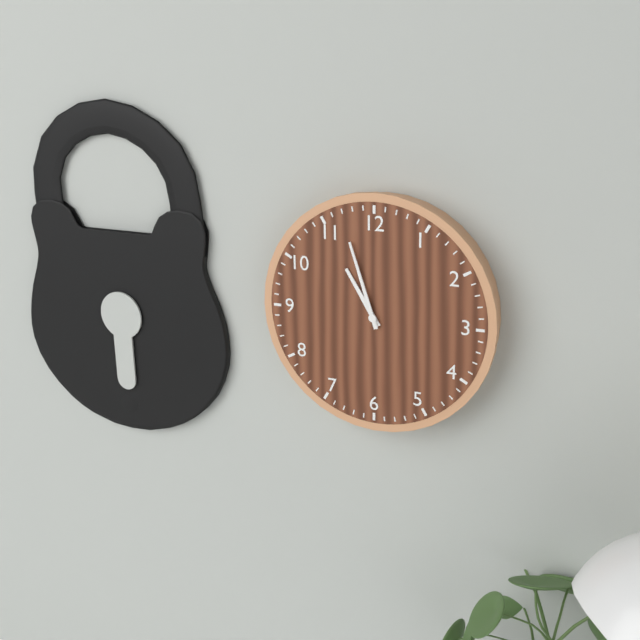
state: 10:57
